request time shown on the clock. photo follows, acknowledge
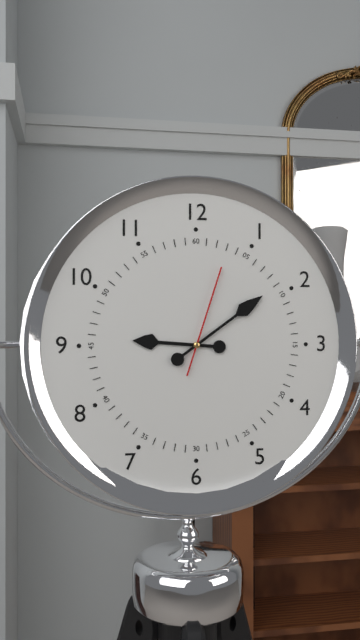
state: 9:09:03
